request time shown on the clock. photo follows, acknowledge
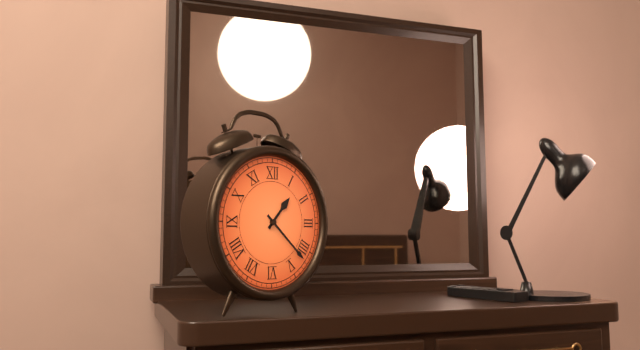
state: 1:22
